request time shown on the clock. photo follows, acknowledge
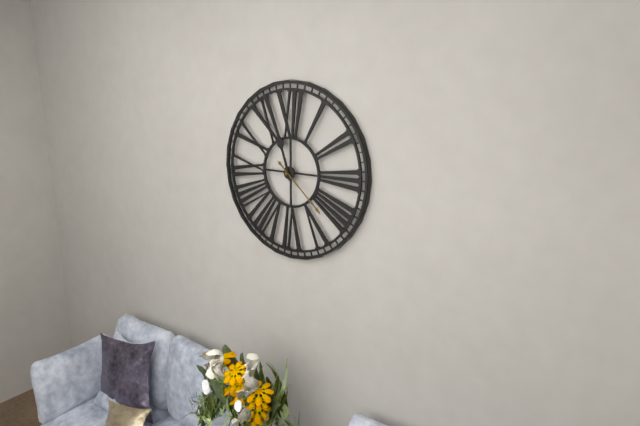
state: 11:22
